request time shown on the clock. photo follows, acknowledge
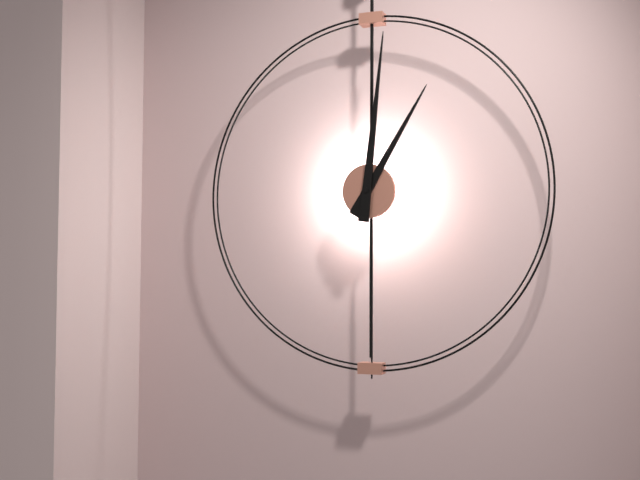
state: 1:01
